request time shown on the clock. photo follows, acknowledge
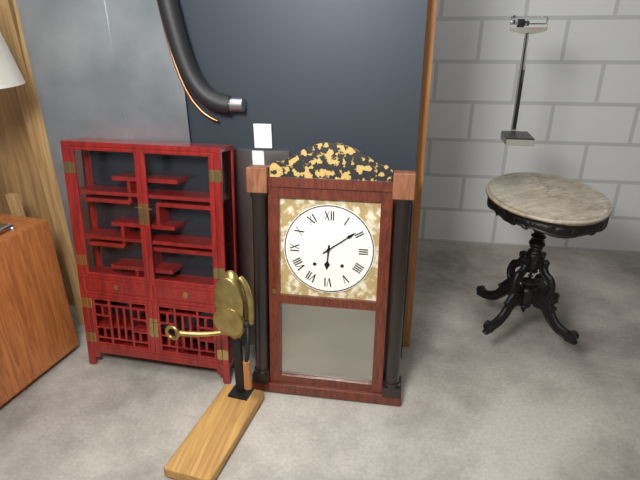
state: 6:09
